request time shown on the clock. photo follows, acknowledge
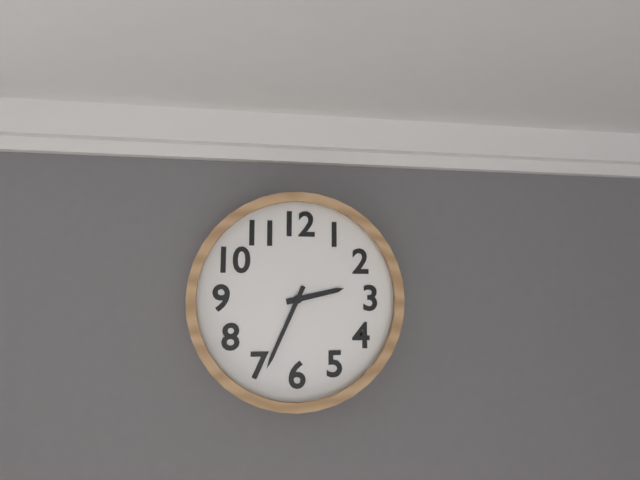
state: 2:34
